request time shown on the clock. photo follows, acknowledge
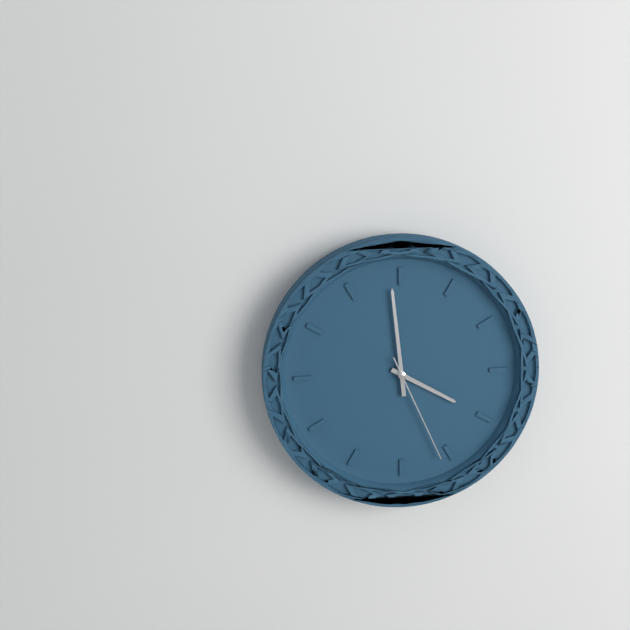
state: 3:59:26
